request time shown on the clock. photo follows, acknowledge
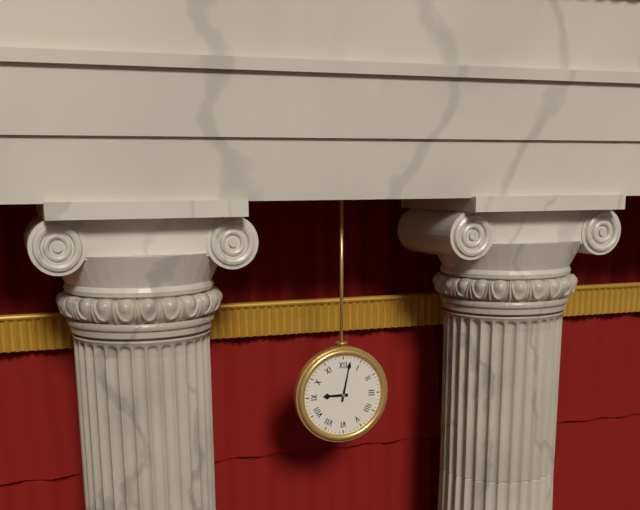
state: 9:02
